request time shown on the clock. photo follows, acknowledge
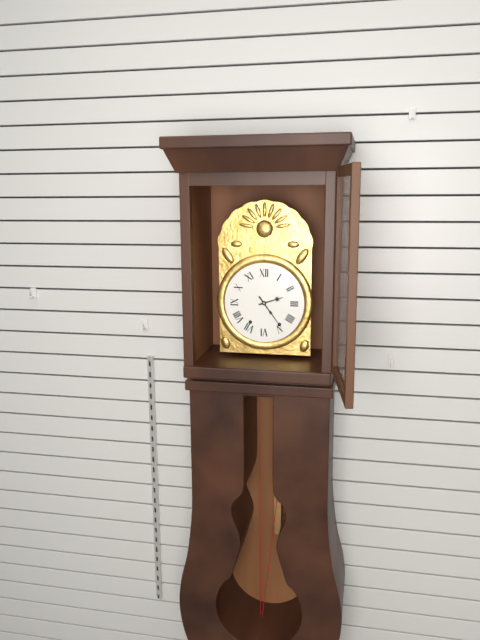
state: 2:24
